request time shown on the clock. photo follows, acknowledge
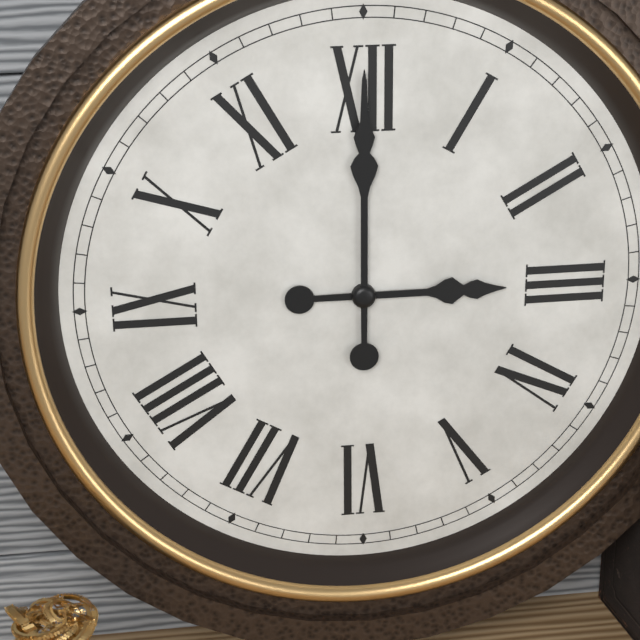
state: 3:00
